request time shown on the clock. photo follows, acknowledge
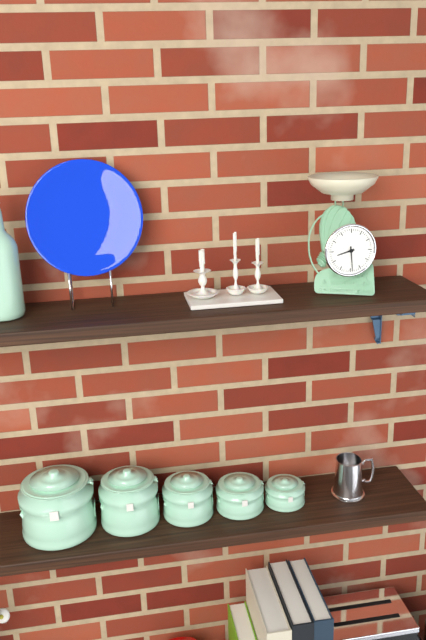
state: 8:29
